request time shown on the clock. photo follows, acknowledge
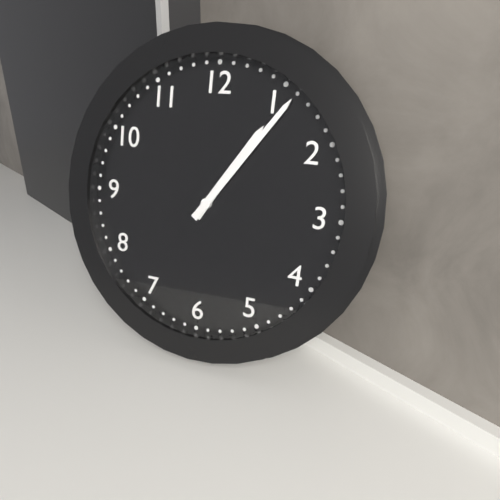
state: 1:06
